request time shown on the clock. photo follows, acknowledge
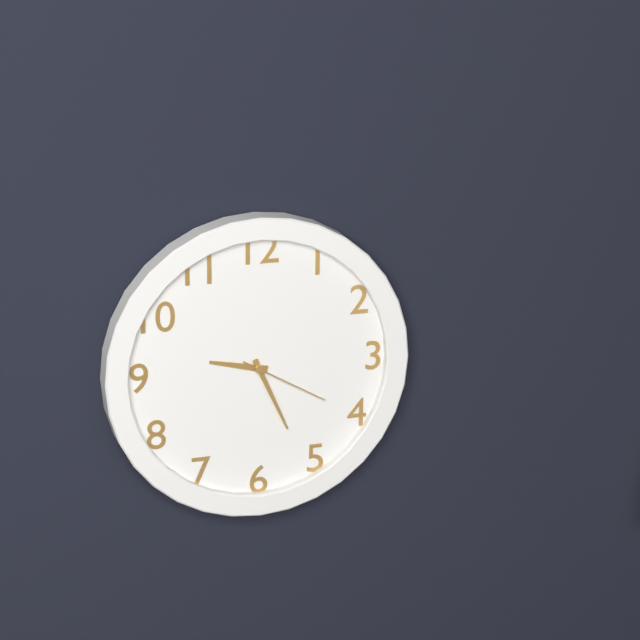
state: 9:26:20
